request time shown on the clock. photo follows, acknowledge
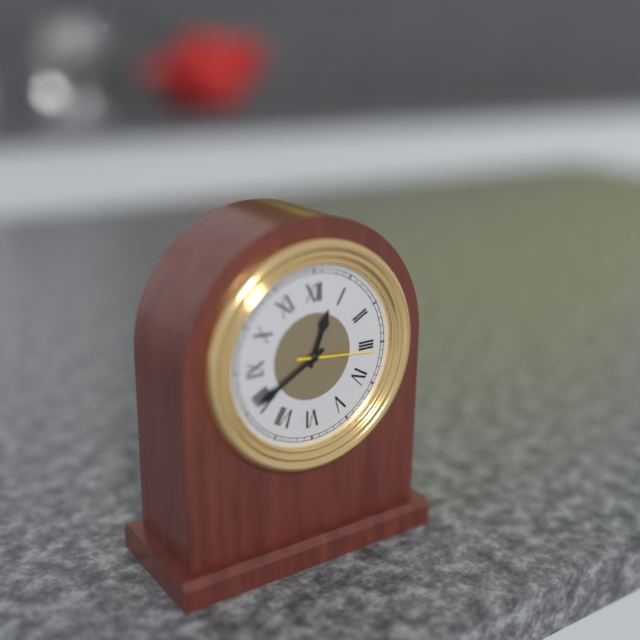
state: 12:40:16
